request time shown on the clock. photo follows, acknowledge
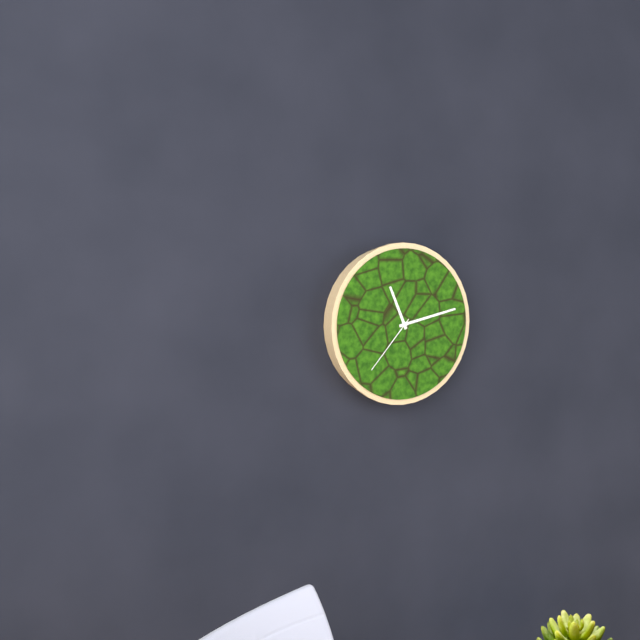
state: 11:13:37
